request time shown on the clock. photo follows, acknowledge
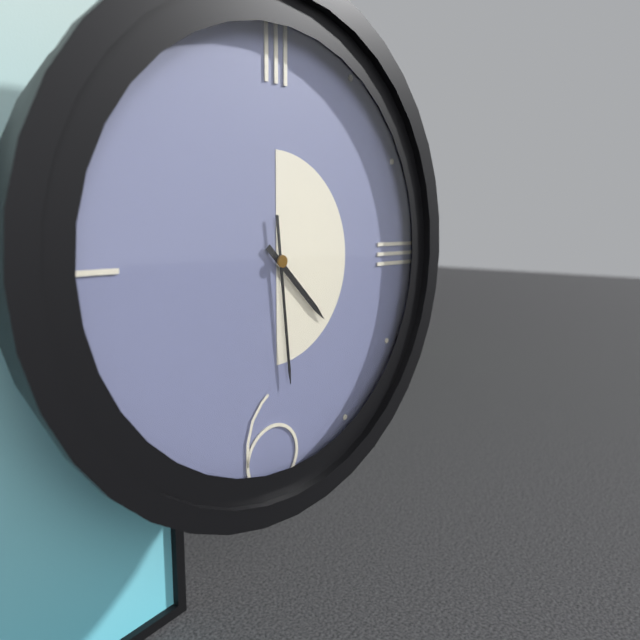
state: 4:29
